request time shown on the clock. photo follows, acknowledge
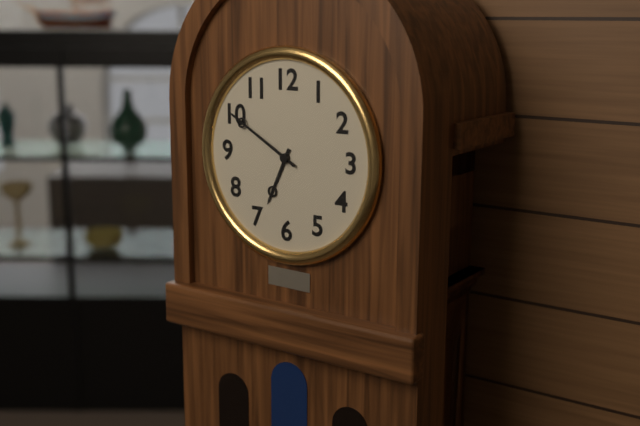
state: 6:50
